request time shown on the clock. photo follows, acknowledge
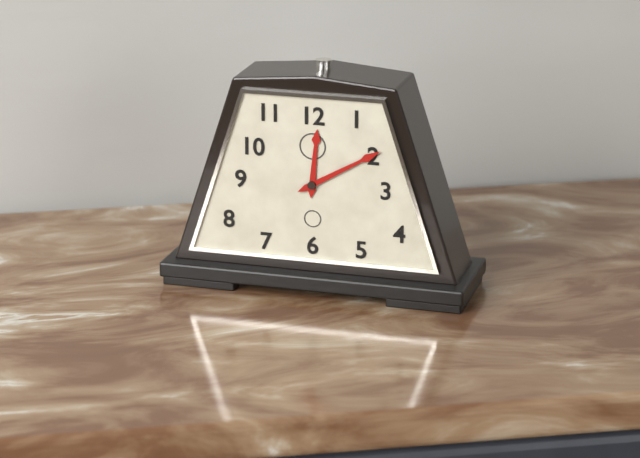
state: 12:10
